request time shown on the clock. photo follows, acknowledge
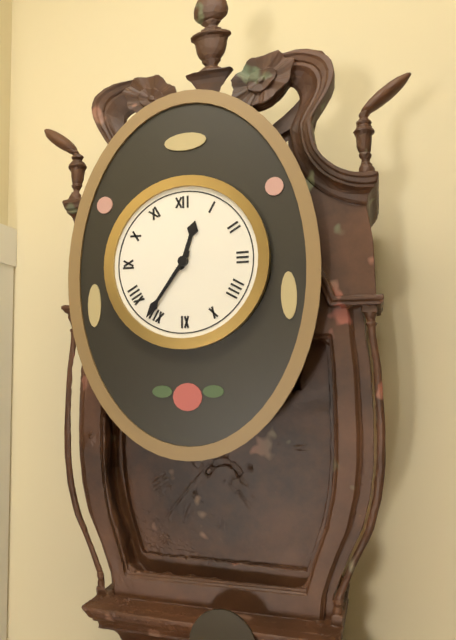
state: 12:36
